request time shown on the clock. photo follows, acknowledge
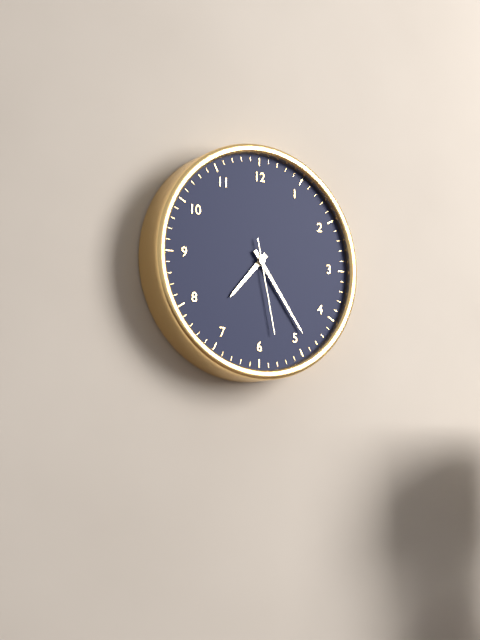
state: 7:24:28
